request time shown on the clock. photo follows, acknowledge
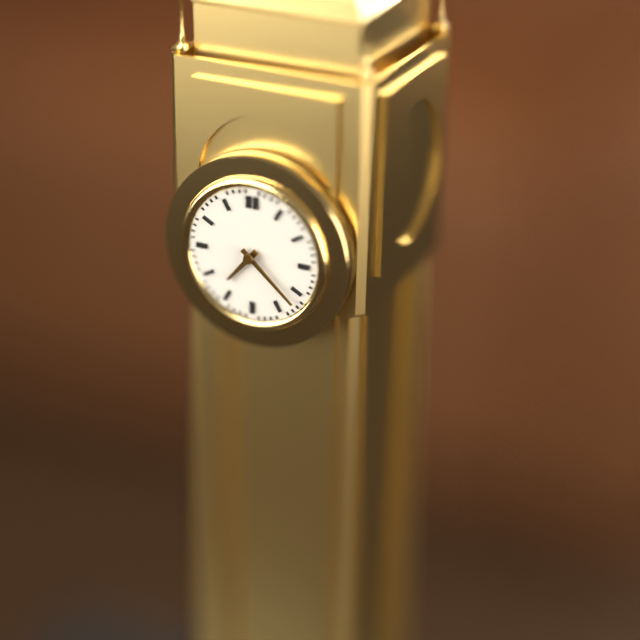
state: 7:22
